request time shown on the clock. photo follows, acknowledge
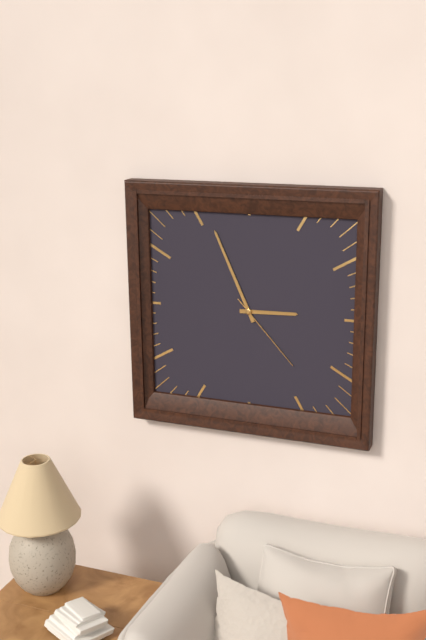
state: 2:56:23
